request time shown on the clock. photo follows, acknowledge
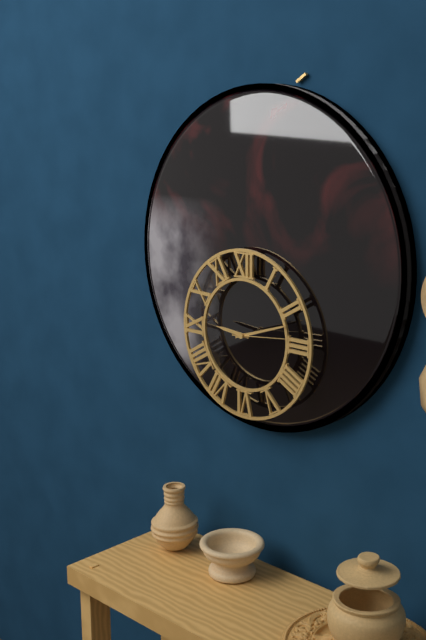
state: 9:12:14
